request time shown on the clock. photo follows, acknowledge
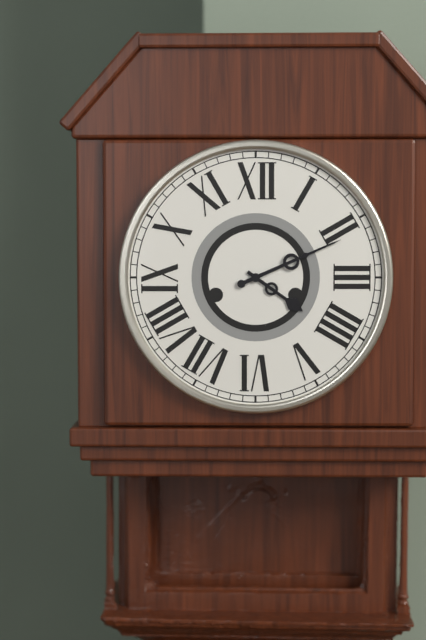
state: 4:11
